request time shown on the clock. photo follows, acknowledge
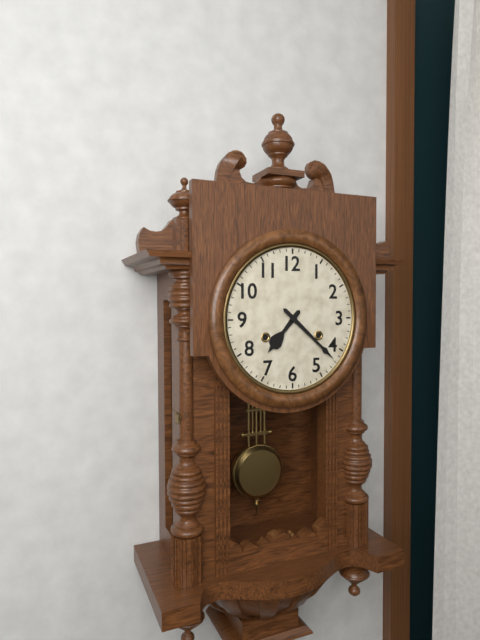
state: 7:22
